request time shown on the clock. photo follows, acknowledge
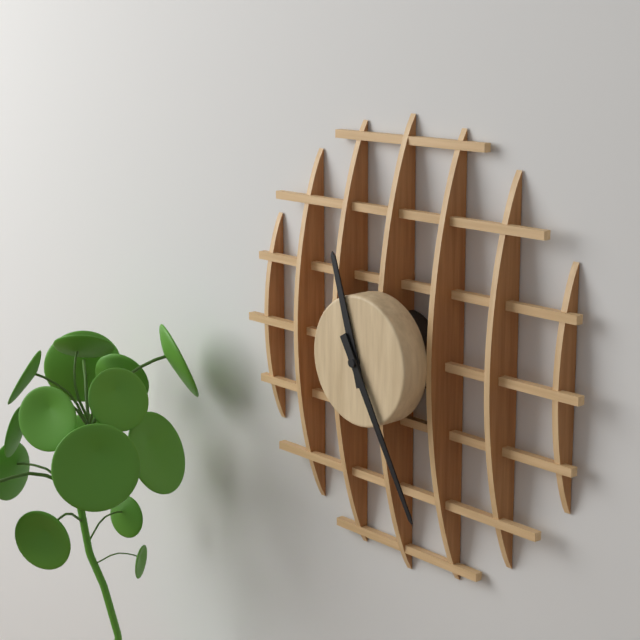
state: 11:25
